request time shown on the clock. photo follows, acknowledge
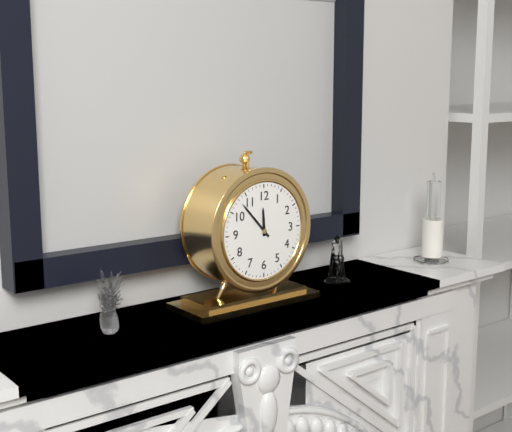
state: 11:53
